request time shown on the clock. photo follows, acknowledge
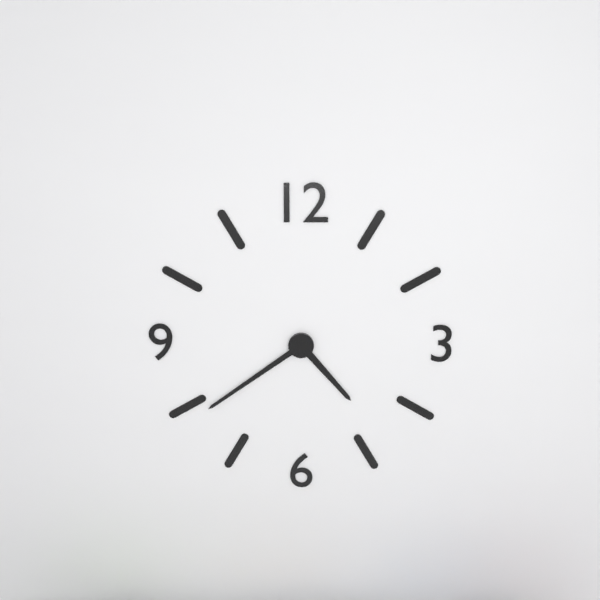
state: 4:39
